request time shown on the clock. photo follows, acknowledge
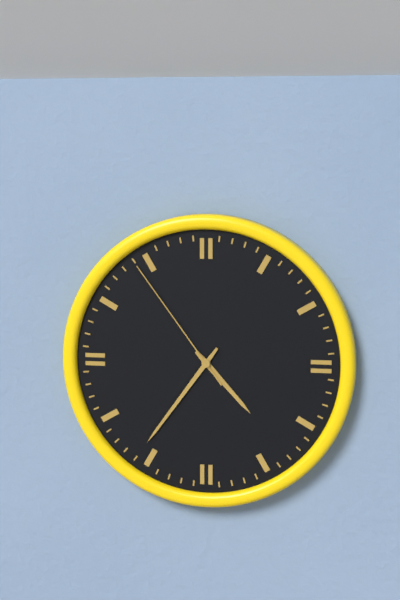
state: 4:36:54
